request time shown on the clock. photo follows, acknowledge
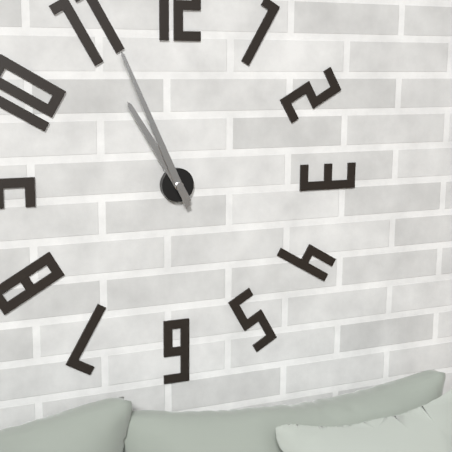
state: 10:56
